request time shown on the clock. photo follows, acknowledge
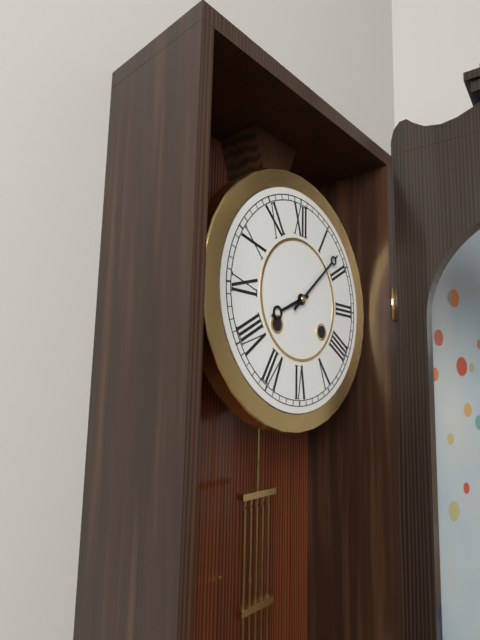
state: 8:08
